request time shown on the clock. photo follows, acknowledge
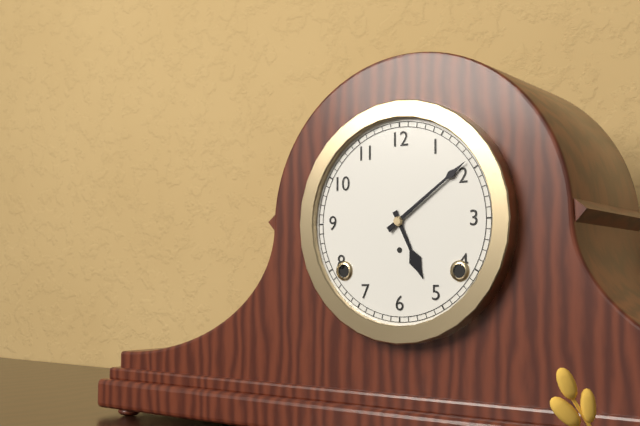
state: 5:09
